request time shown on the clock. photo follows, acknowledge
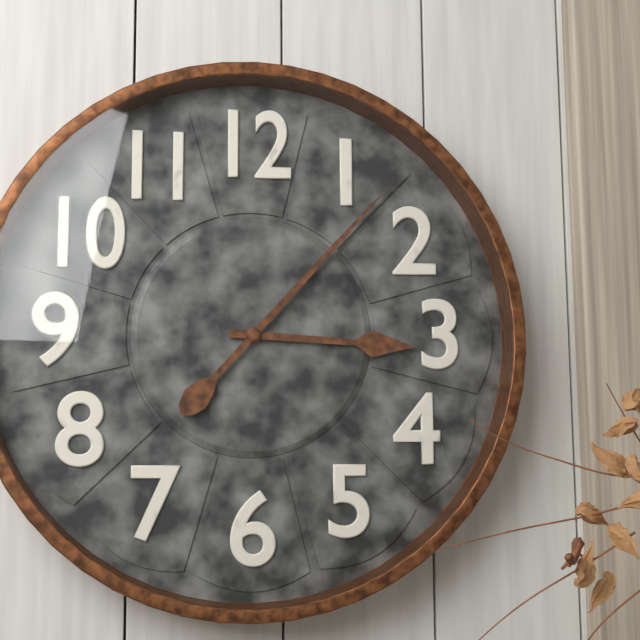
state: 3:07
